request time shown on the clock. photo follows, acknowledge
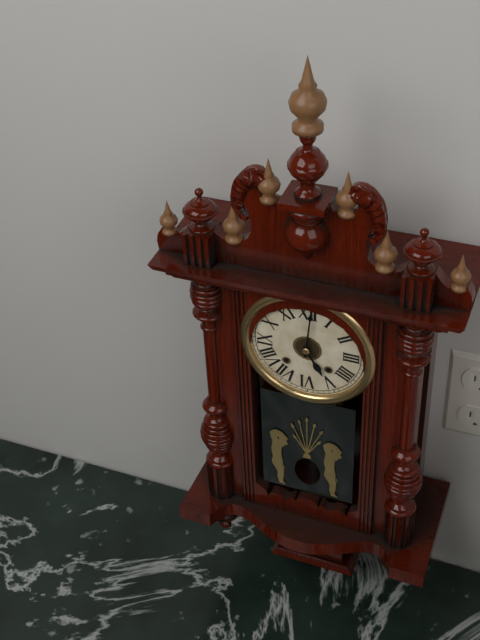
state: 5:01
